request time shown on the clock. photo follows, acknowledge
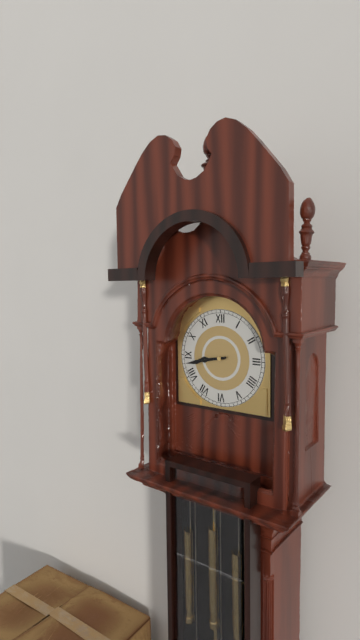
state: 8:43
